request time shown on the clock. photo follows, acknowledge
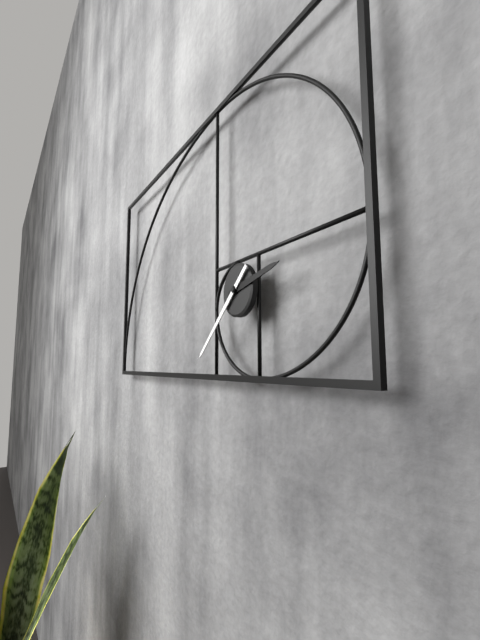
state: 2:38
